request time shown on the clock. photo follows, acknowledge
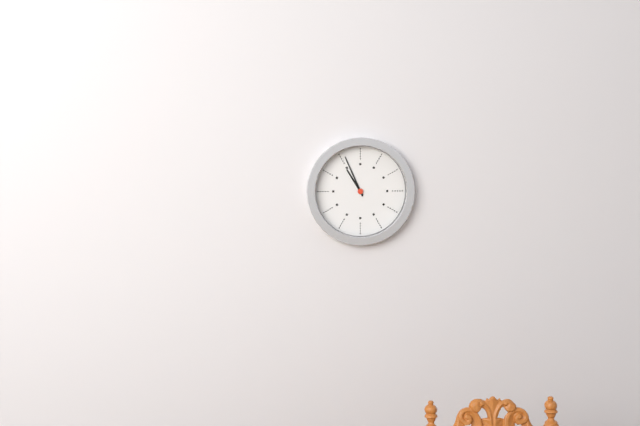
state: 10:56
